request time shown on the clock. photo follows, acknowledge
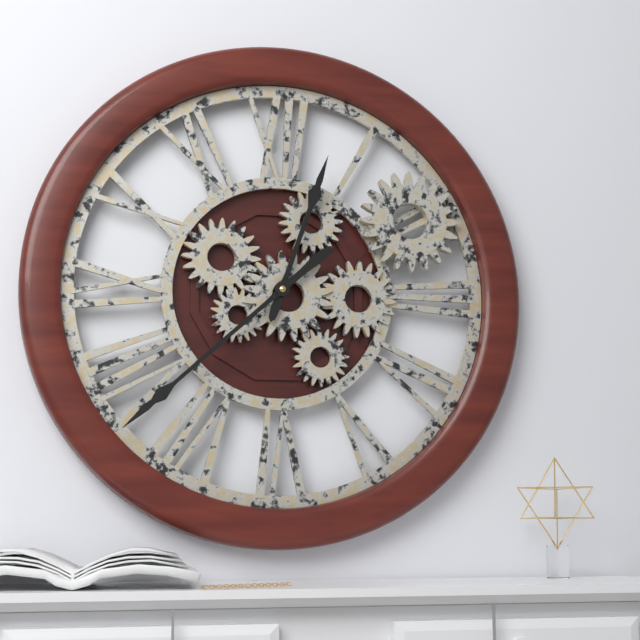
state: 12:38
